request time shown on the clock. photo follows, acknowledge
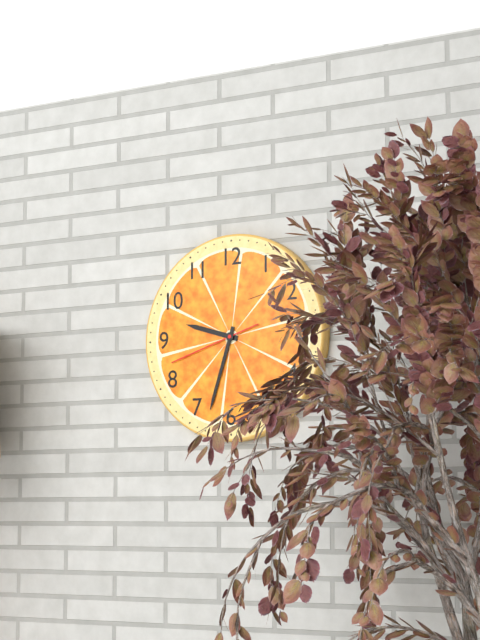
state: 9:33:42
